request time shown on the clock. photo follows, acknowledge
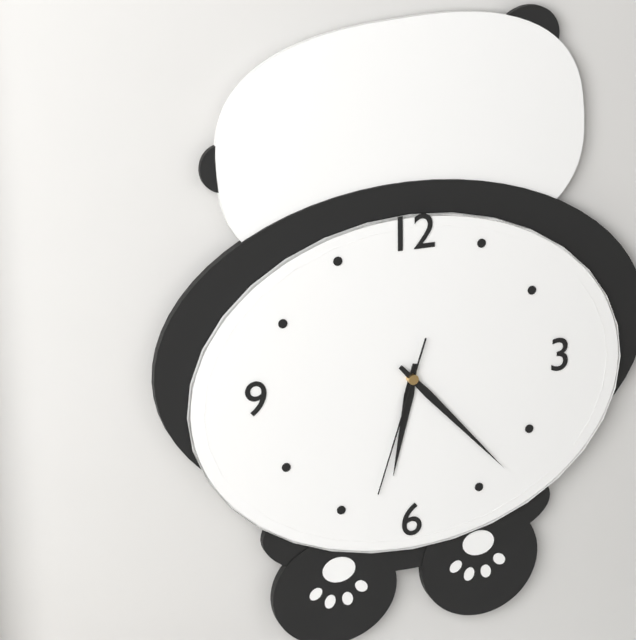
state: 6:23:33
